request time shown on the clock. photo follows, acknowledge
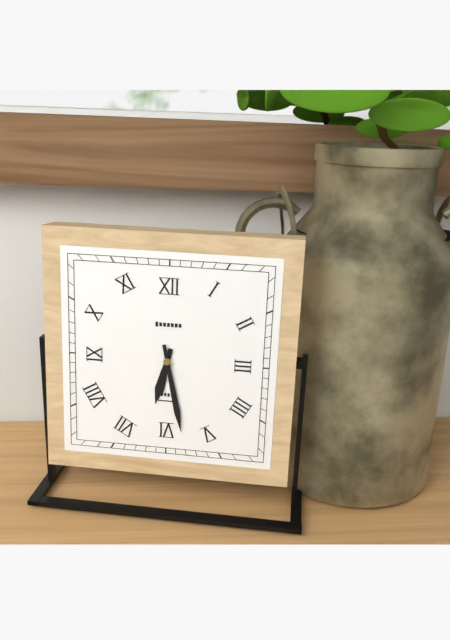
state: 6:28
